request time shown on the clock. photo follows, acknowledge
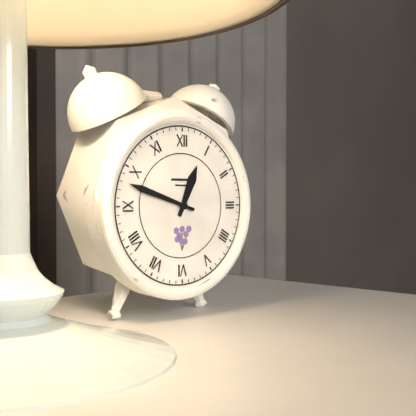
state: 12:48
